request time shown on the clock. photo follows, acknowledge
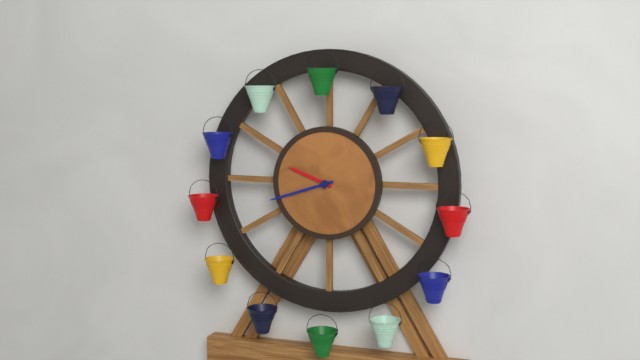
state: 9:42
